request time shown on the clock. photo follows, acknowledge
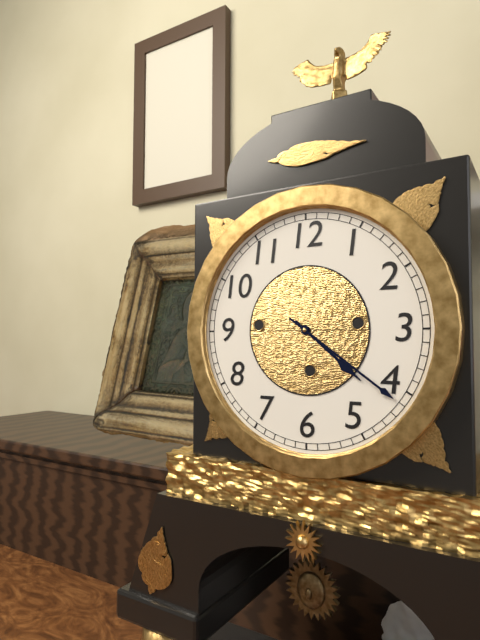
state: 4:21
